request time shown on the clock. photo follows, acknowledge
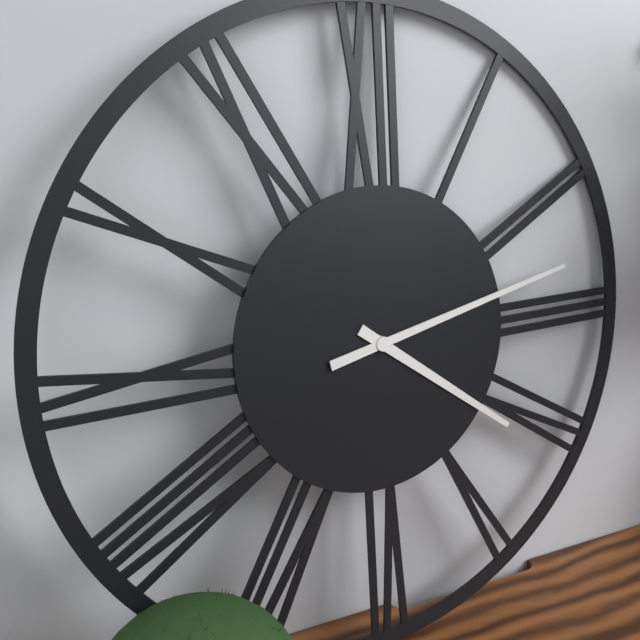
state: 4:13
